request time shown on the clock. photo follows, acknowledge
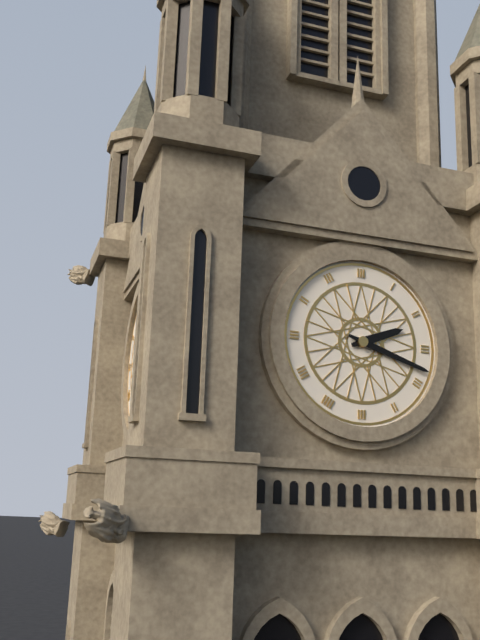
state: 2:18
